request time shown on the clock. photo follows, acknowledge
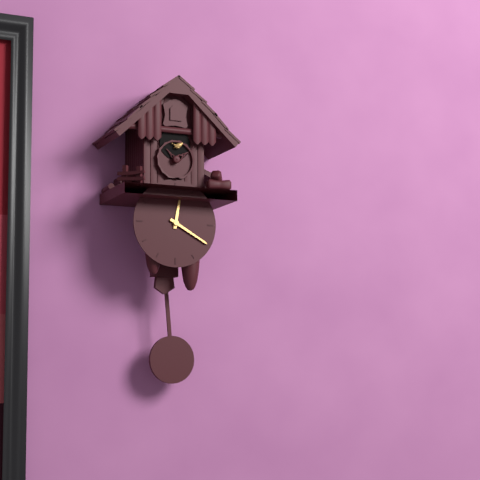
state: 12:20
